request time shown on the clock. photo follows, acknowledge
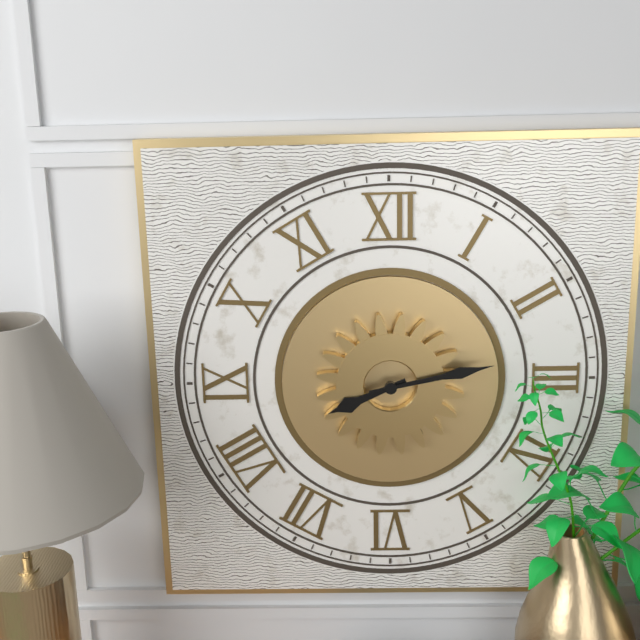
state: 8:13
